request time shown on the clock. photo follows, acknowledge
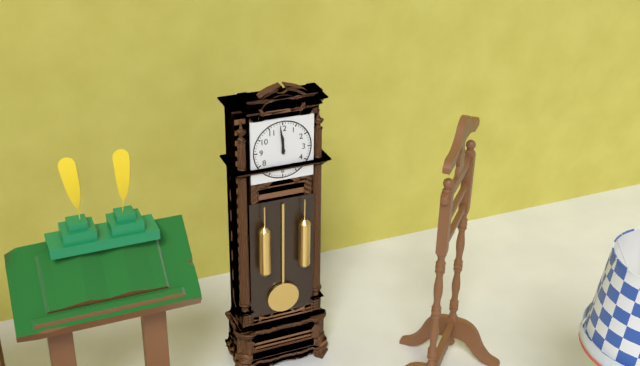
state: 11:59
